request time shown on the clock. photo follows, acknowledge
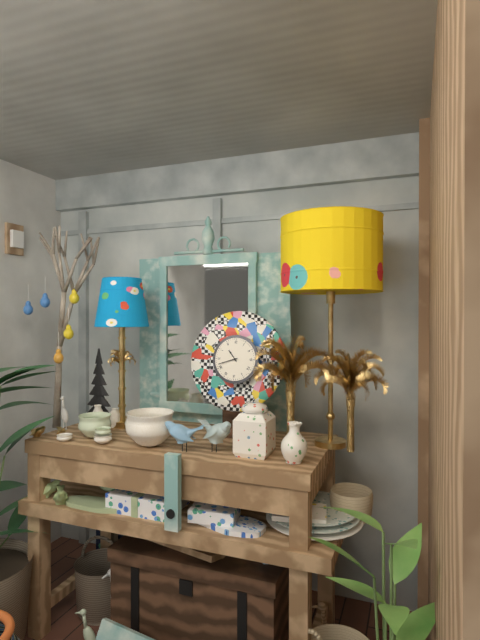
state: 10:42
